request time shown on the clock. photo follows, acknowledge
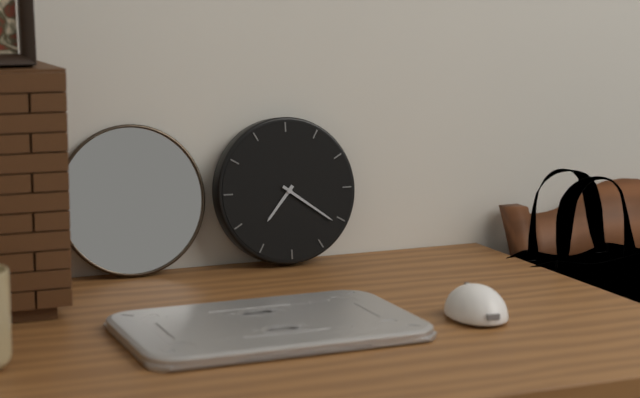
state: 7:21
